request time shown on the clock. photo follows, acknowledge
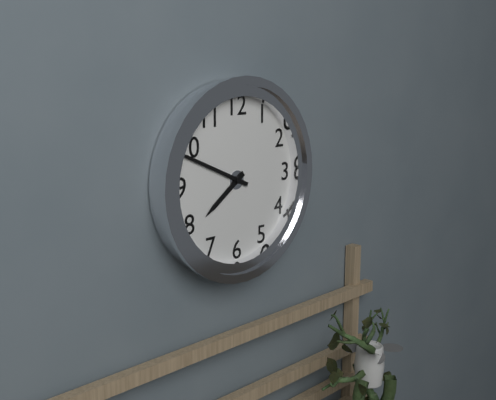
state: 7:49
